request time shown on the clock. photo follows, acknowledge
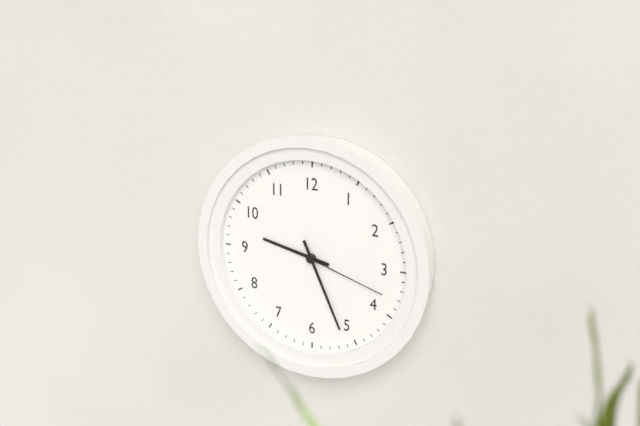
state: 9:26:18
